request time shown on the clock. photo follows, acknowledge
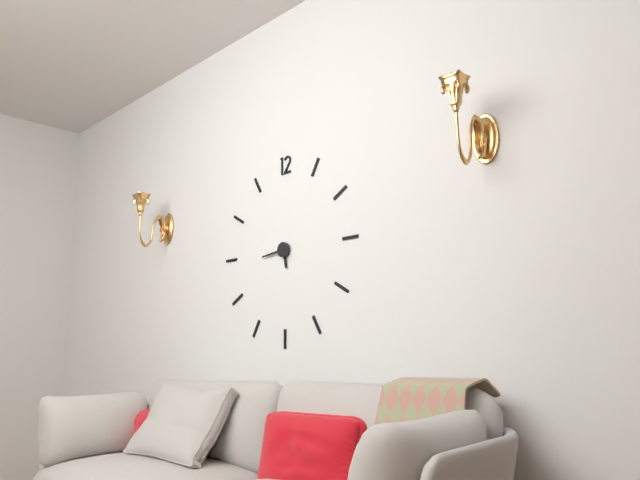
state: 5:44
